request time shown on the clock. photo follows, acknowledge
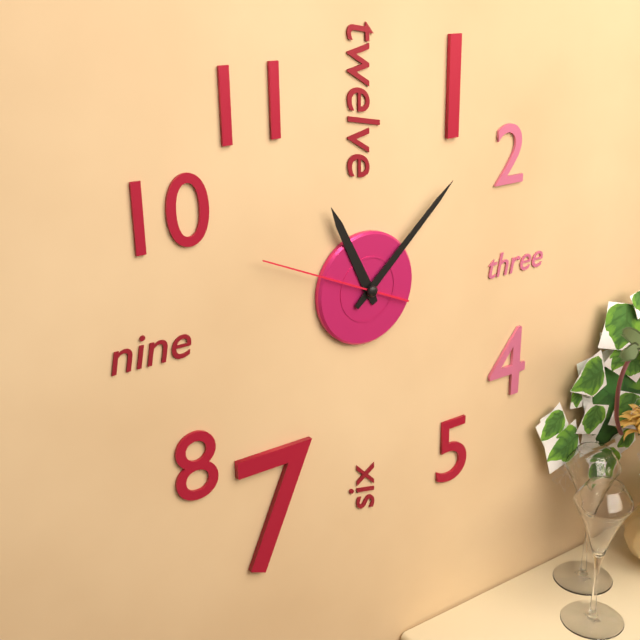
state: 11:08:49
